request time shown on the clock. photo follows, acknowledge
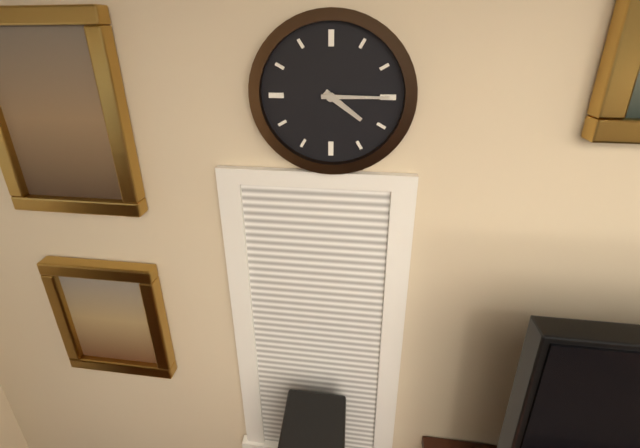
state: 4:15
